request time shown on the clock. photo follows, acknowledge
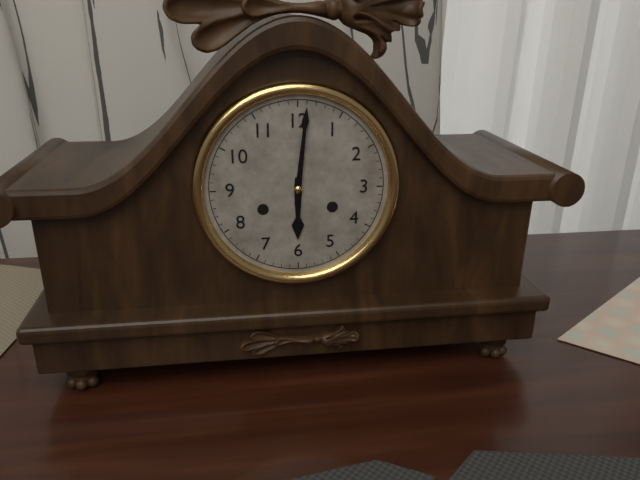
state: 6:01
